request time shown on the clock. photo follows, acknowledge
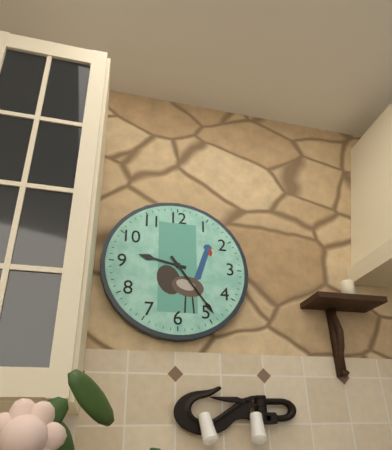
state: 9:24
